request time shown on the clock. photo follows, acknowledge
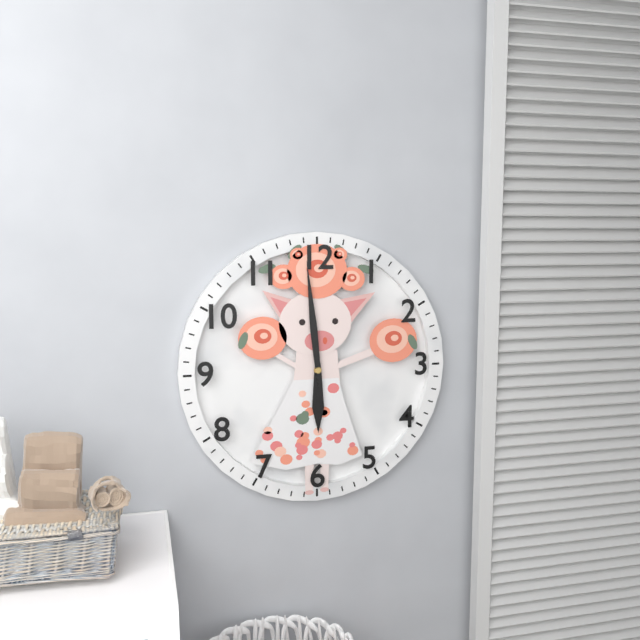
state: 5:59
